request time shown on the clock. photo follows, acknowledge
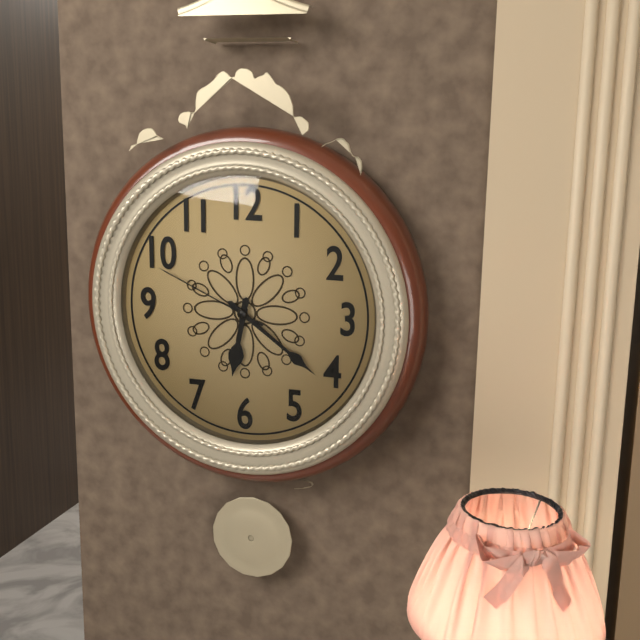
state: 6:21:49
